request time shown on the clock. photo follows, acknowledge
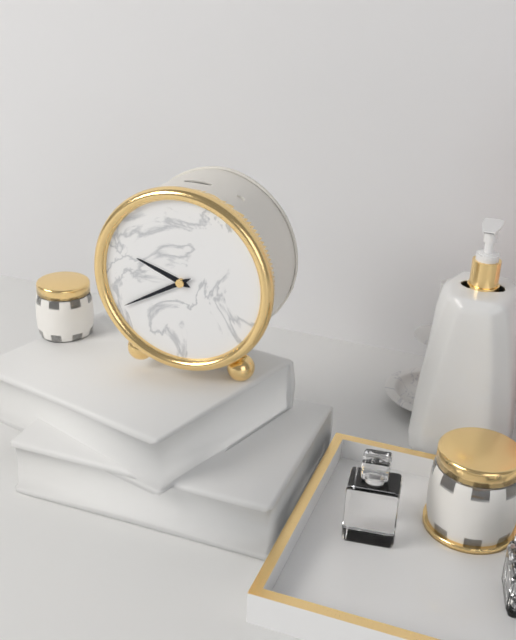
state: 9:40
